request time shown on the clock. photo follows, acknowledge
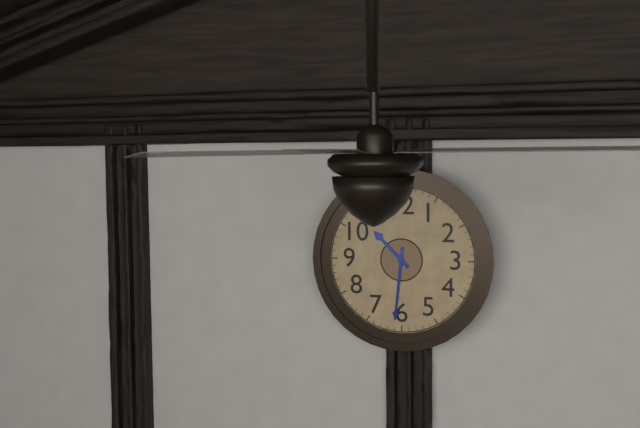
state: 10:31
